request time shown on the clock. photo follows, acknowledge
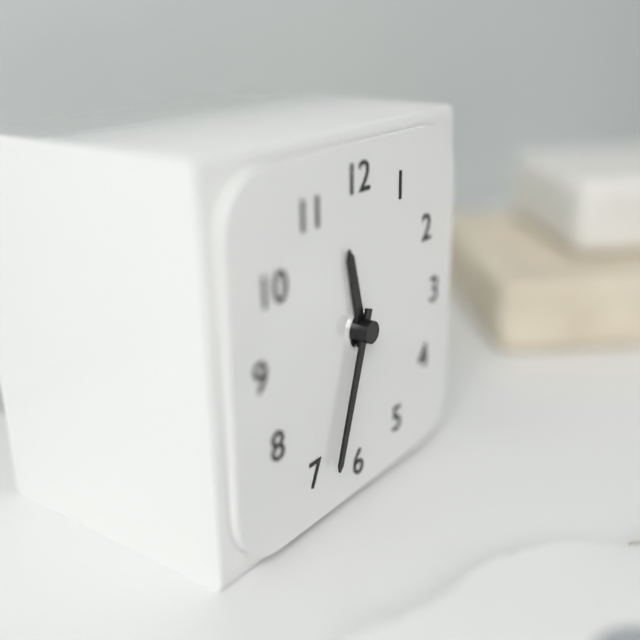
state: 11:33
